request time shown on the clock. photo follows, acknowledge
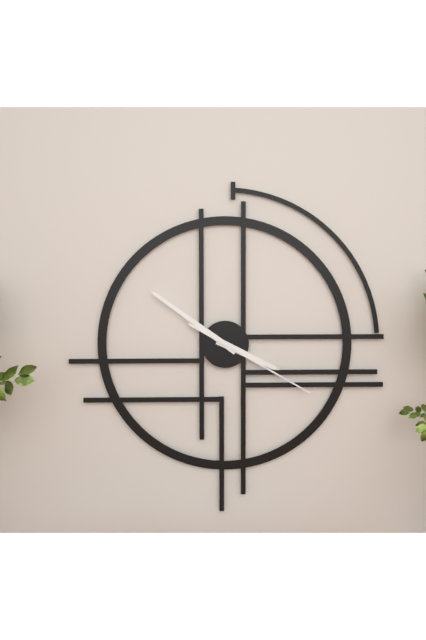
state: 3:51:20
